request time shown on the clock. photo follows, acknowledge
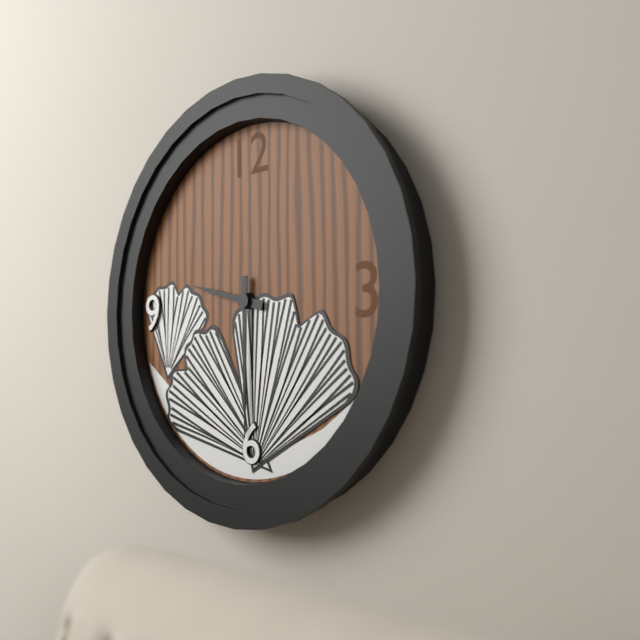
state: 9:30
